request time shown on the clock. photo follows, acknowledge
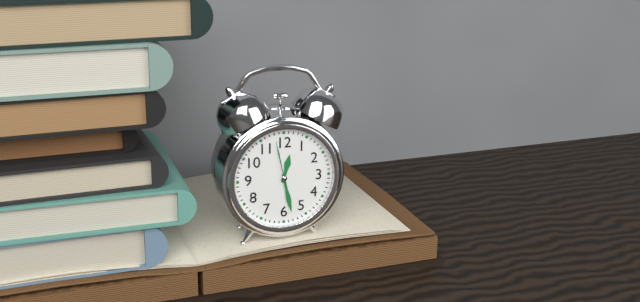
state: 12:28:58
